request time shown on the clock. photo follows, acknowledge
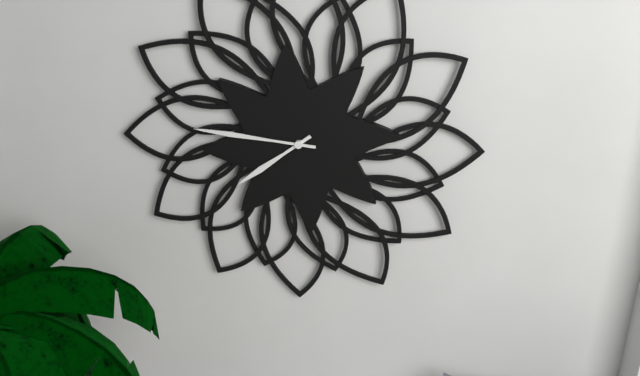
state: 7:46
